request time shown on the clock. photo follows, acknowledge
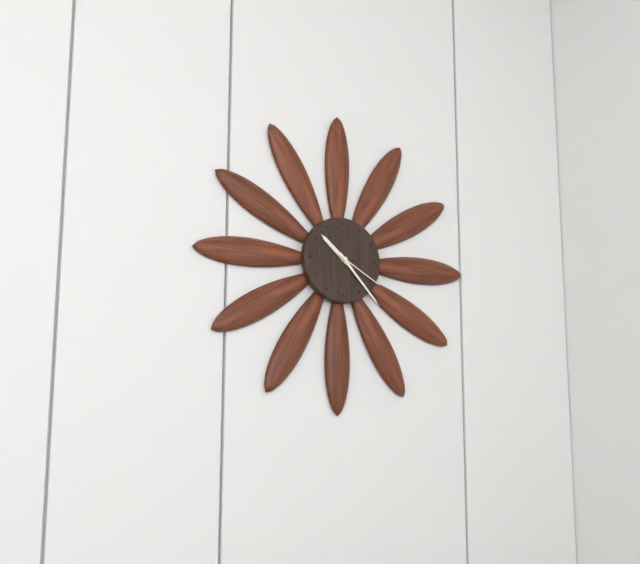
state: 10:23:20
